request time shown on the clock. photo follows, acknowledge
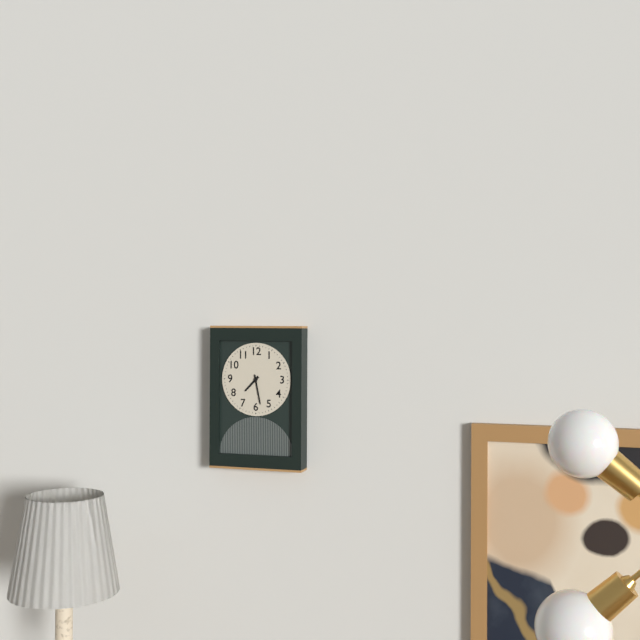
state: 7:28
